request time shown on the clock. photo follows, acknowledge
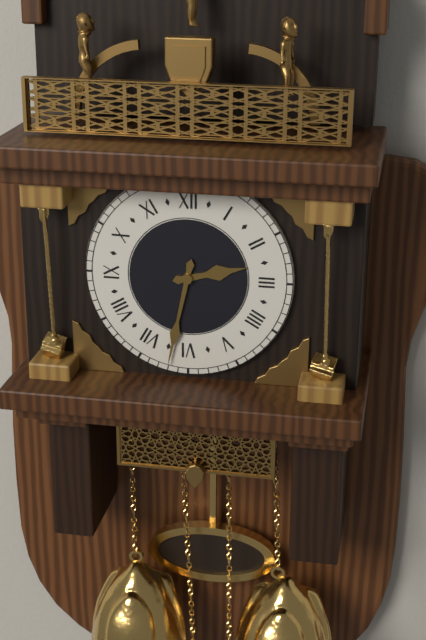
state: 2:32
